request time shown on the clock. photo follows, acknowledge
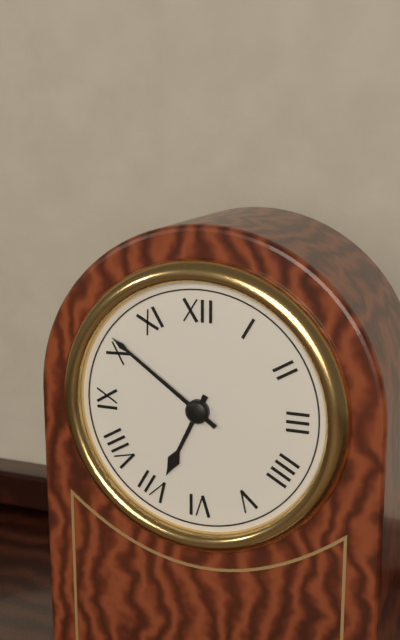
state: 6:51
